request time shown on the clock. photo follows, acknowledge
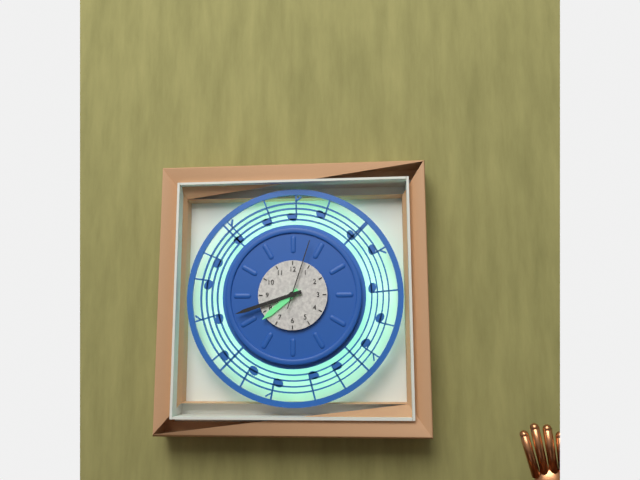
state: 7:42:03
